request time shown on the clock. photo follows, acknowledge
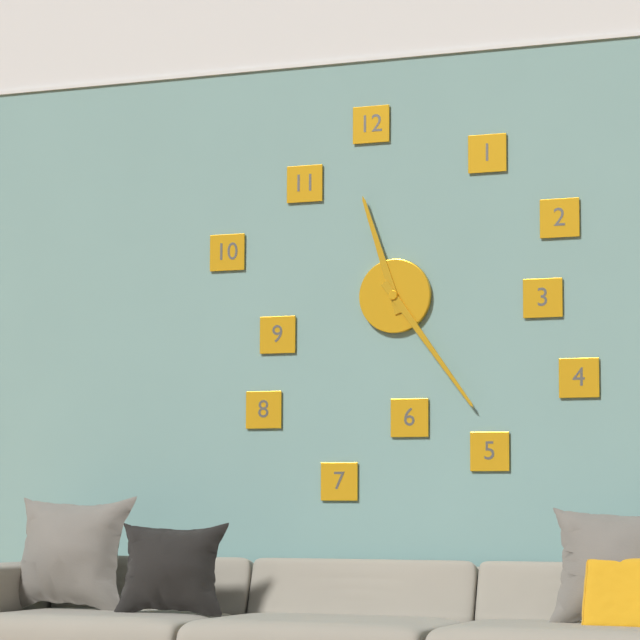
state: 11:24
